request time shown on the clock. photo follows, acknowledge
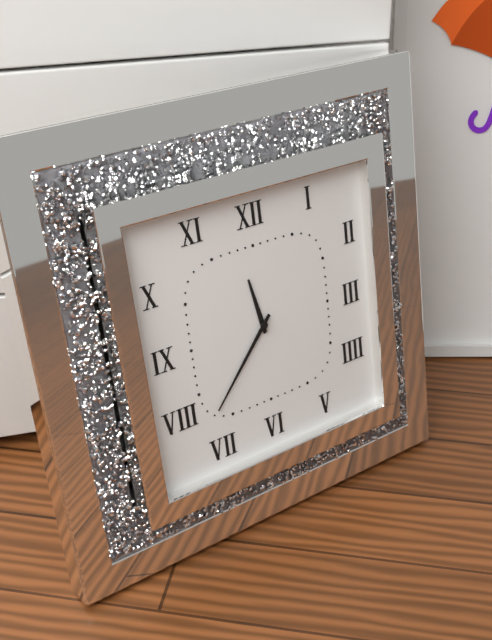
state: 11:37
